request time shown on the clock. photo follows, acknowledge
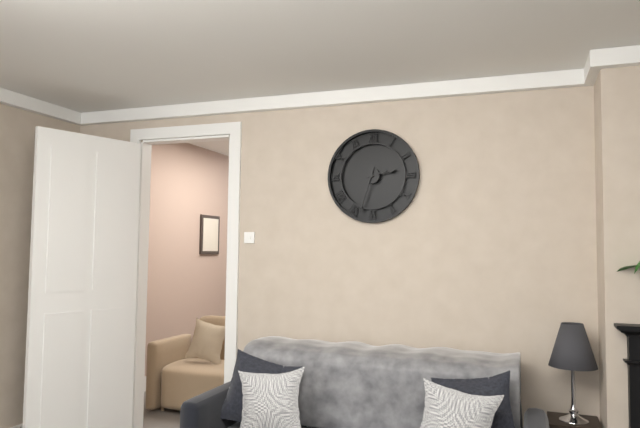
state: 2:33
